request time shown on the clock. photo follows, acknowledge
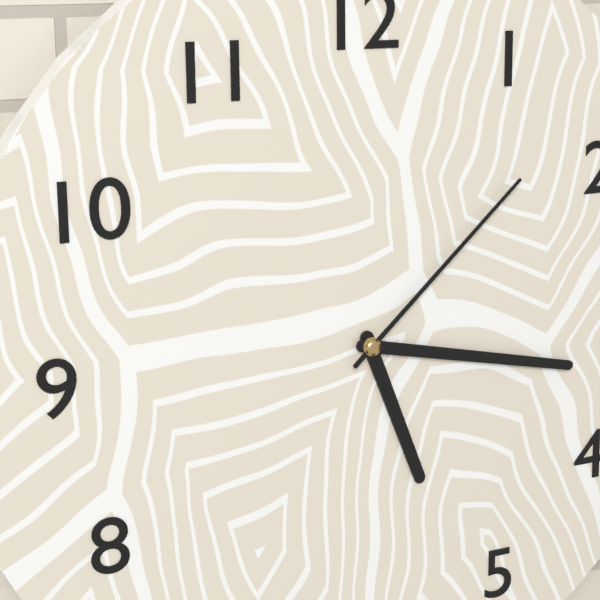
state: 5:17:08
